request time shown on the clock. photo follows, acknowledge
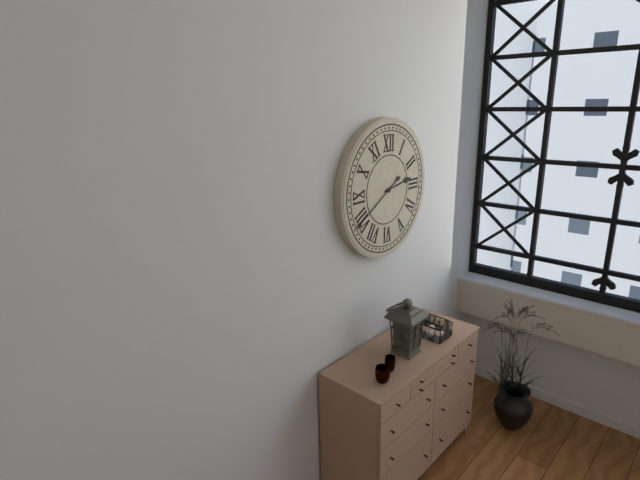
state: 2:40
